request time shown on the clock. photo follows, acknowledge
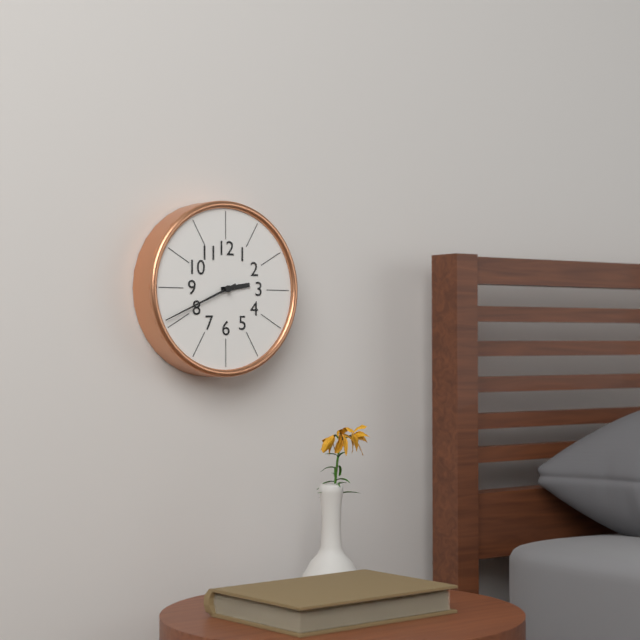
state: 2:41
